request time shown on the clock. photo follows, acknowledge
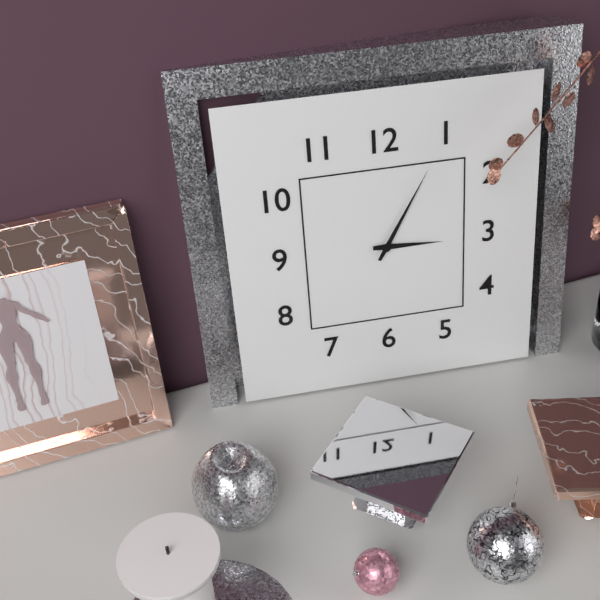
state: 3:05
